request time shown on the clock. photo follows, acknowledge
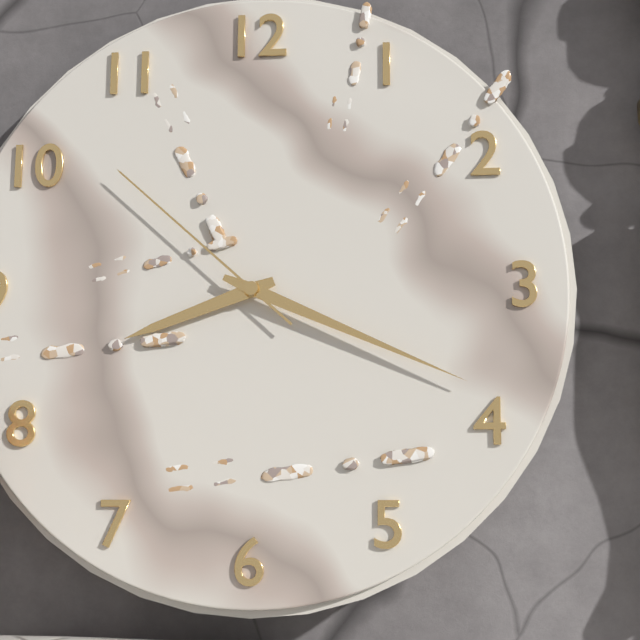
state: 8:19:52
